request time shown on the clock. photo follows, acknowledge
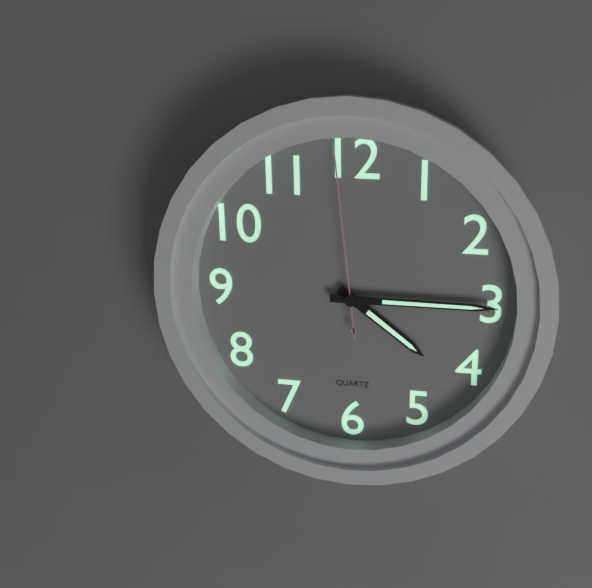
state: 4:15:59
